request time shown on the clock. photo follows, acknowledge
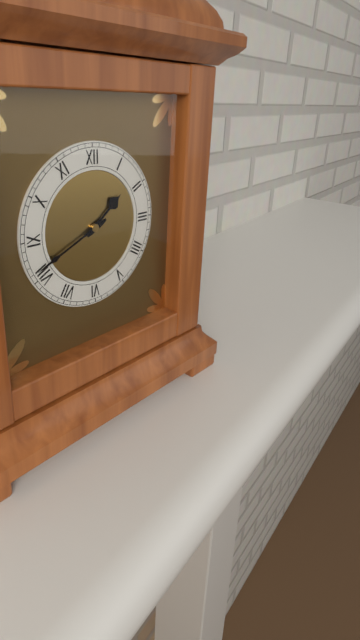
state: 1:41
